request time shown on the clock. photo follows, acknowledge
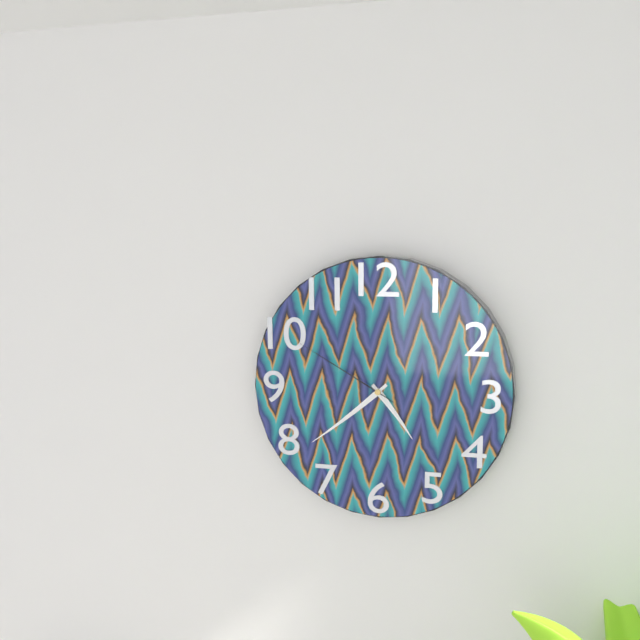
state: 4:38:50
